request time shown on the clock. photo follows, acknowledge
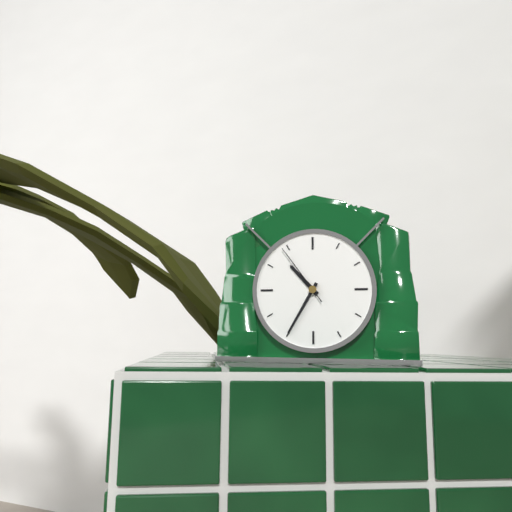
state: 10:35:54
